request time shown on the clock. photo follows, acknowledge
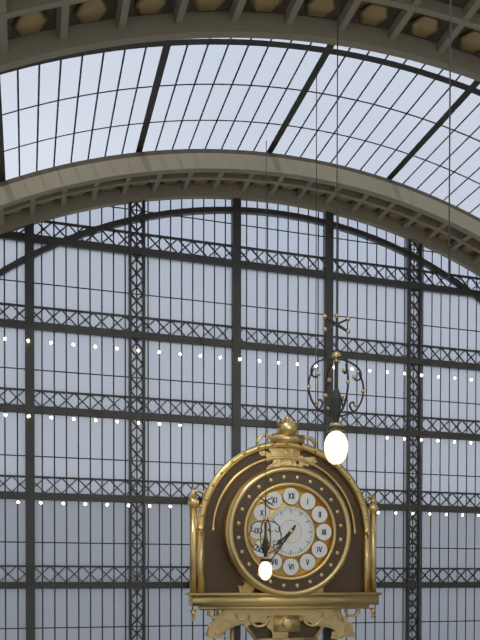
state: 7:36
